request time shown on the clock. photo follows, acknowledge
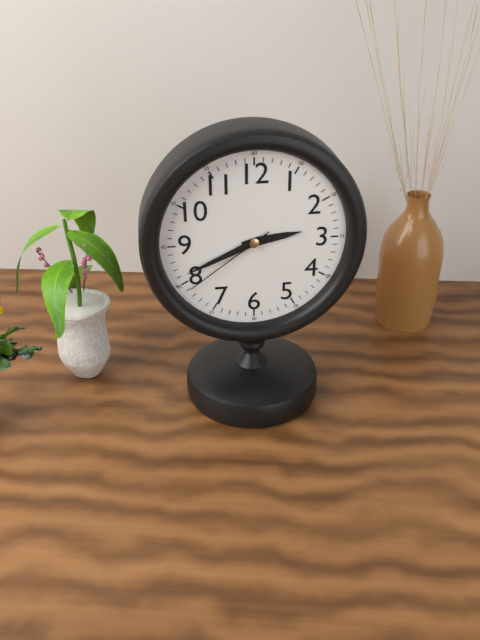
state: 2:41:39
